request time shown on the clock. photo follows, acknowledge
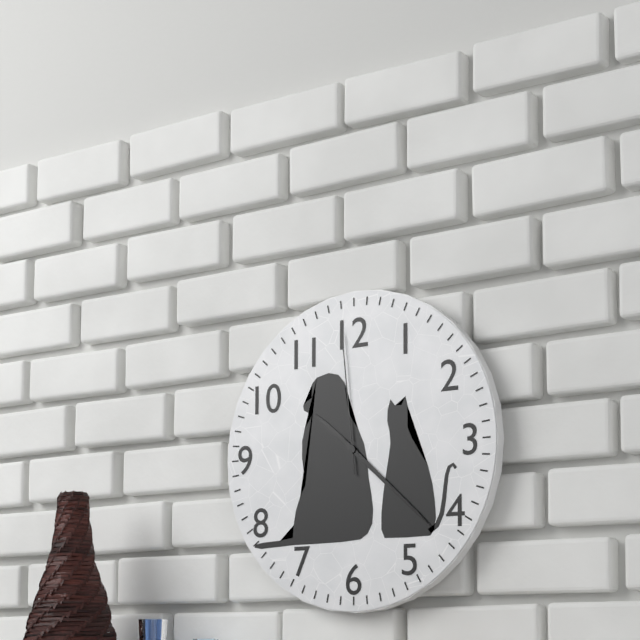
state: 10:22:59
